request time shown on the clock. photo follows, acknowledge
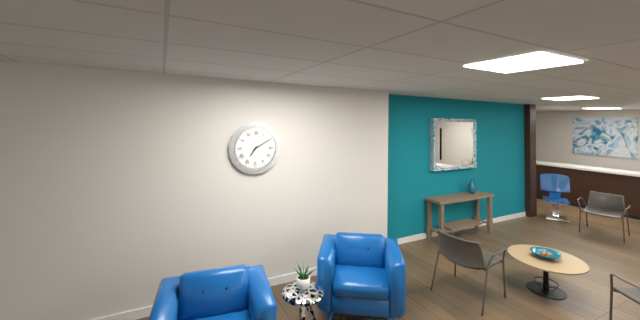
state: 7:10
